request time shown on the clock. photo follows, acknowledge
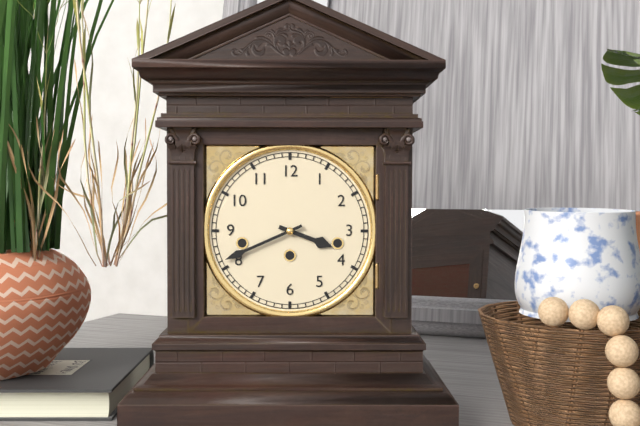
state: 3:41
